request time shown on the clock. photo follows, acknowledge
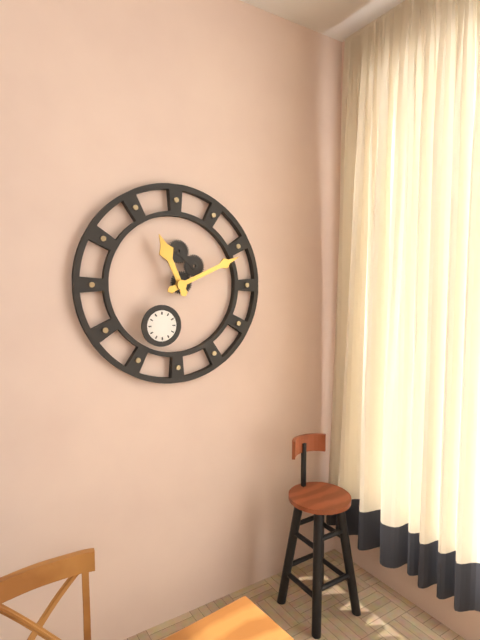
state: 11:11
